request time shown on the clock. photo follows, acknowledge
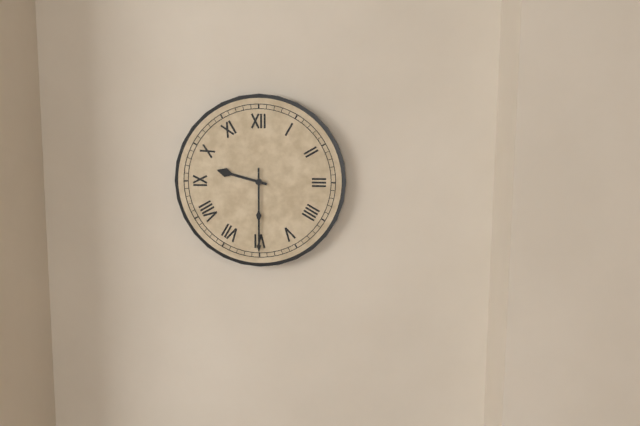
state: 9:30
